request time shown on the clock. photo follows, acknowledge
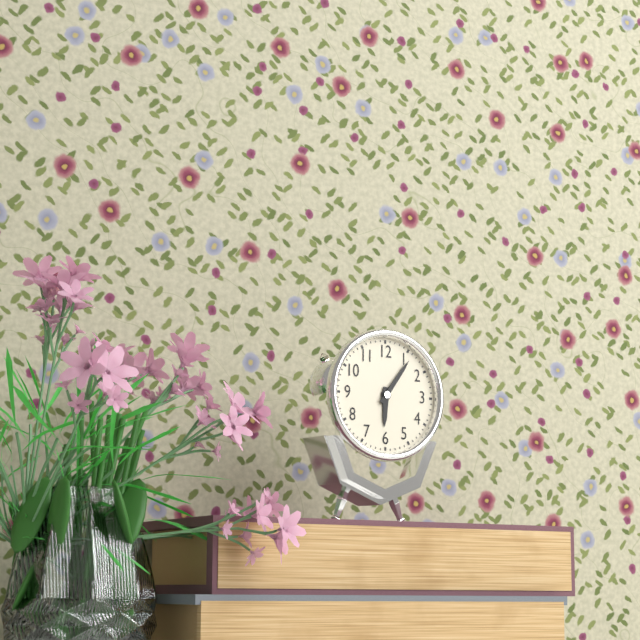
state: 6:06
